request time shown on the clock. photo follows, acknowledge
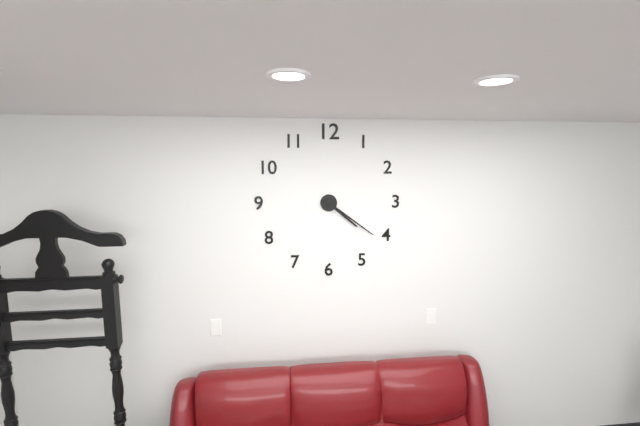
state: 4:21
